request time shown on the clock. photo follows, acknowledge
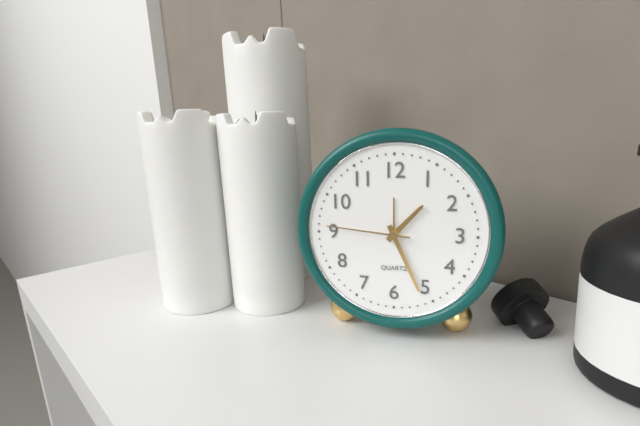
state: 1:26:46
